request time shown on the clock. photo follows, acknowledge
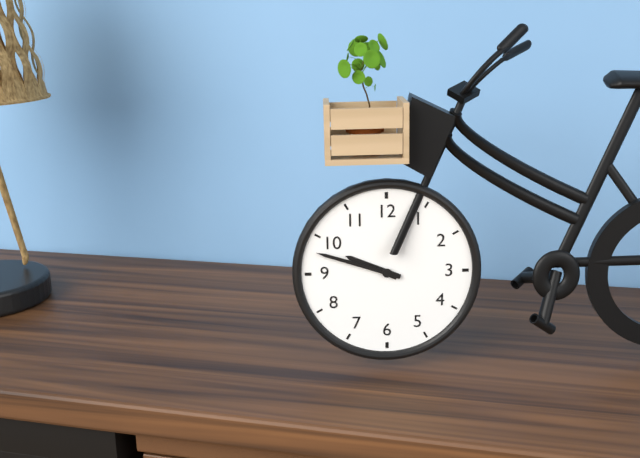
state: 9:48
